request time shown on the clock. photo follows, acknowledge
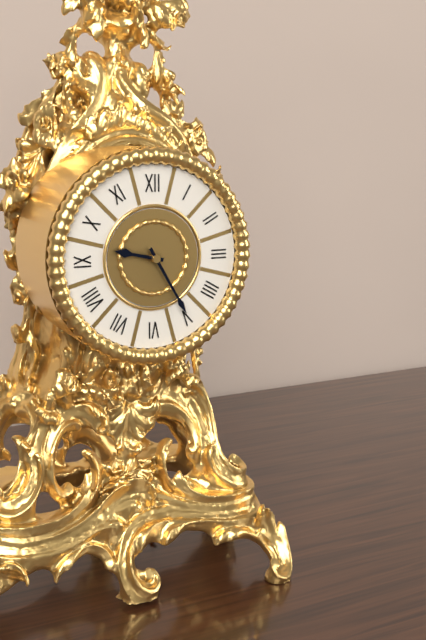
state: 9:25
